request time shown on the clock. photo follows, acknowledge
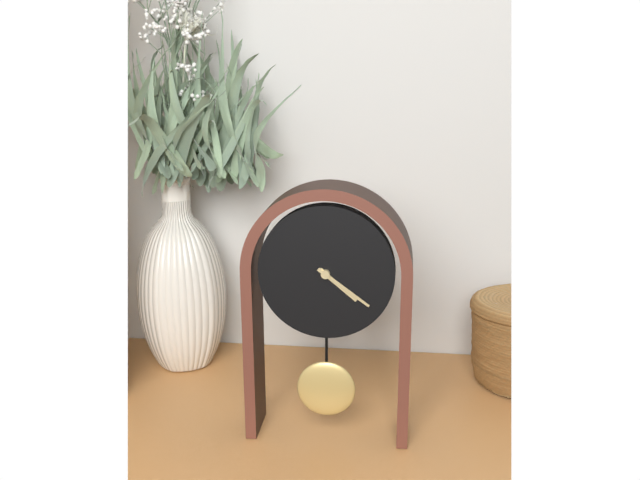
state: 4:21
